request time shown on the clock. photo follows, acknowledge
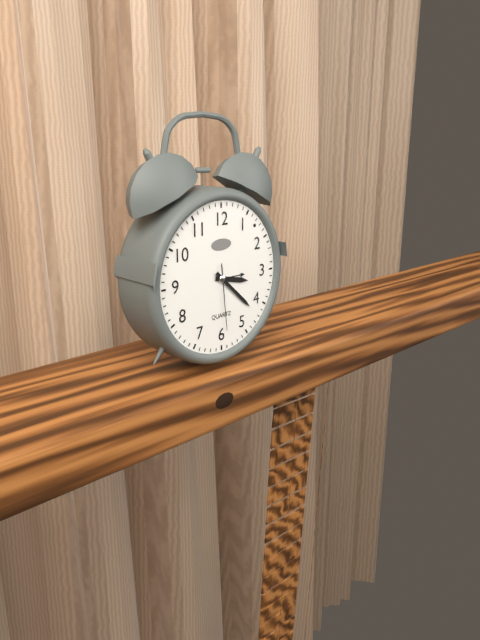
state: 3:22:29
